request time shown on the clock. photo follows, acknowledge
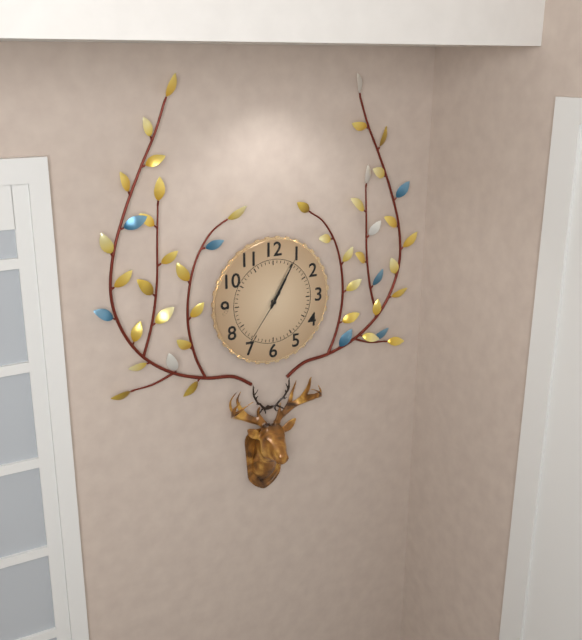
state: 1:05:36
